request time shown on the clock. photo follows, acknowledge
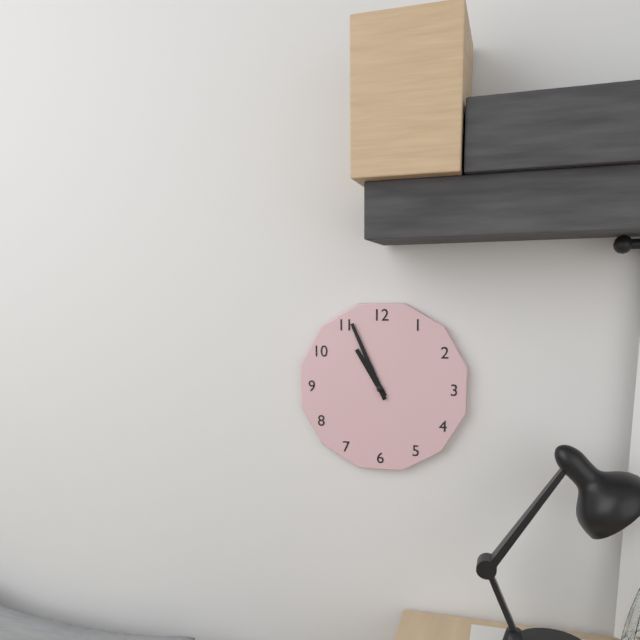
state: 10:56
